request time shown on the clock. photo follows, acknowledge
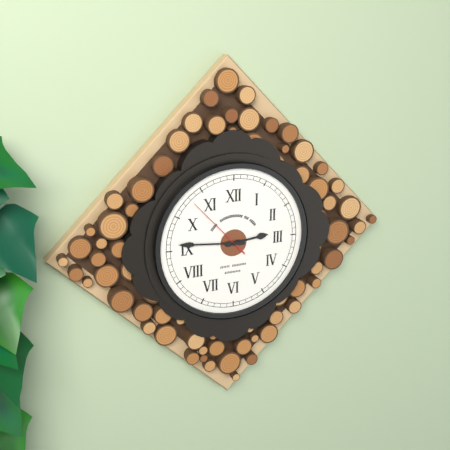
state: 2:46:53
